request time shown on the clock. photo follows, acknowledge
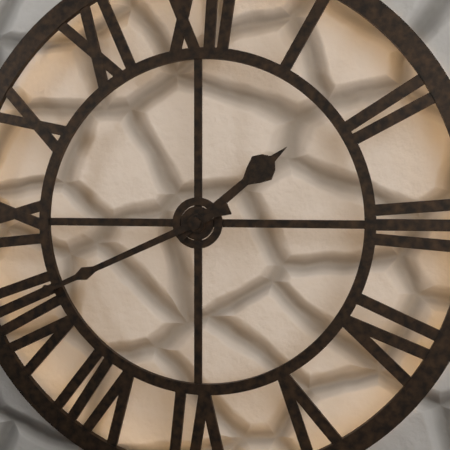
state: 1:41
